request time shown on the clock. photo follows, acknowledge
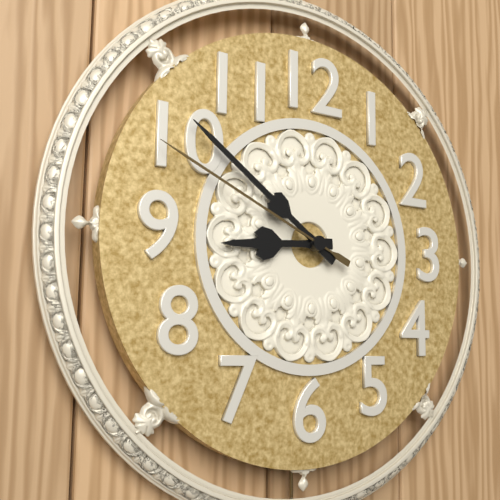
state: 8:51:49
